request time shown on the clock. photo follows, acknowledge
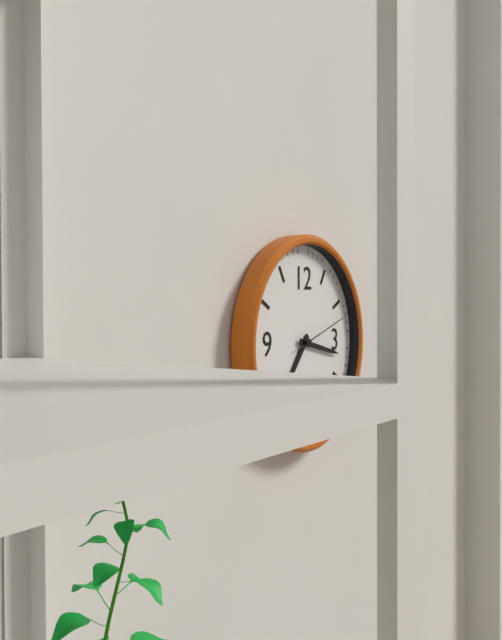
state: 7:17:12
